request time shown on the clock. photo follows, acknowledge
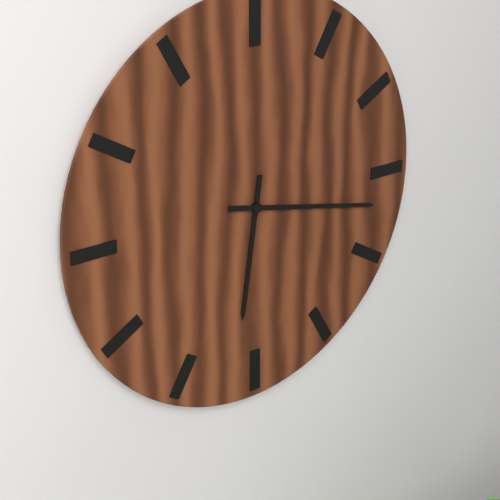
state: 6:17
